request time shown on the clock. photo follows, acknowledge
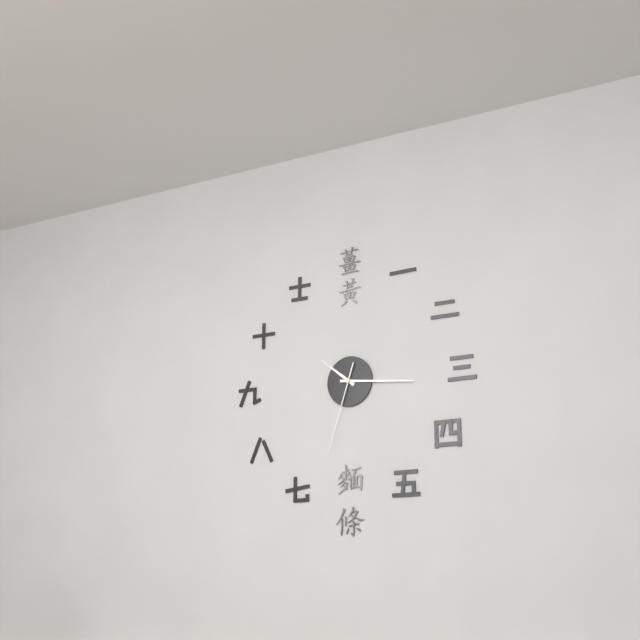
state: 10:16:33
